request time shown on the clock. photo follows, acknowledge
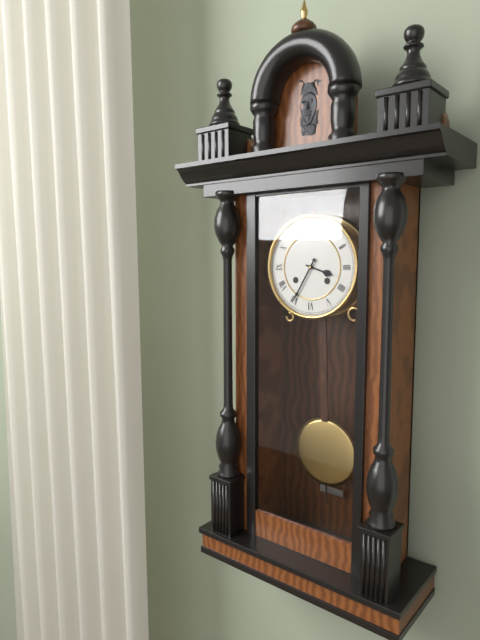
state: 3:35
